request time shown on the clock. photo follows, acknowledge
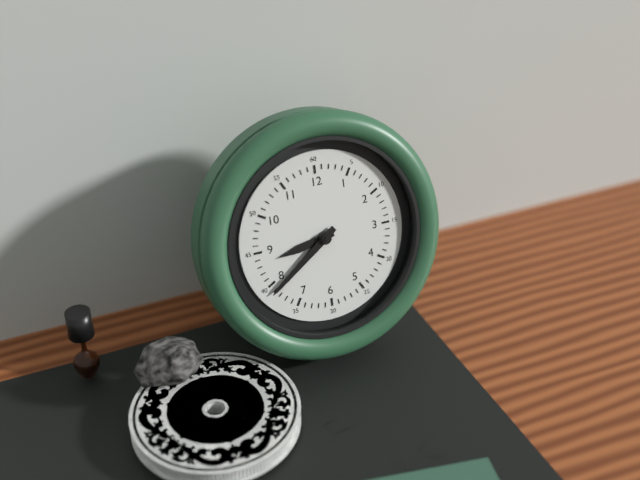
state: 8:39
